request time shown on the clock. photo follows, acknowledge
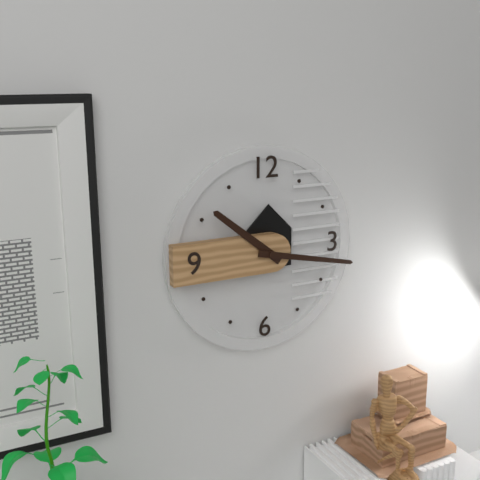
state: 10:17
